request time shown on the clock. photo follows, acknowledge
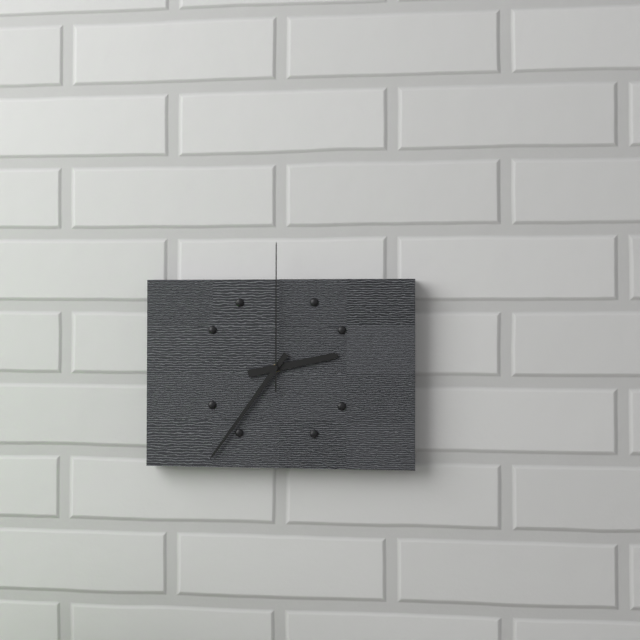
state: 2:36:00
